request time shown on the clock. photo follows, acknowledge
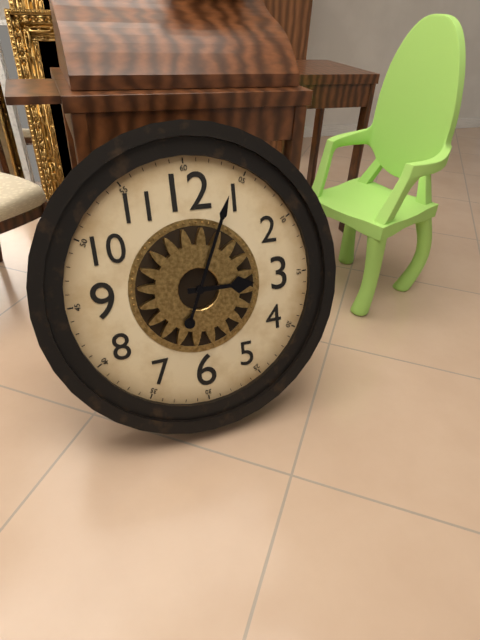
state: 3:04
